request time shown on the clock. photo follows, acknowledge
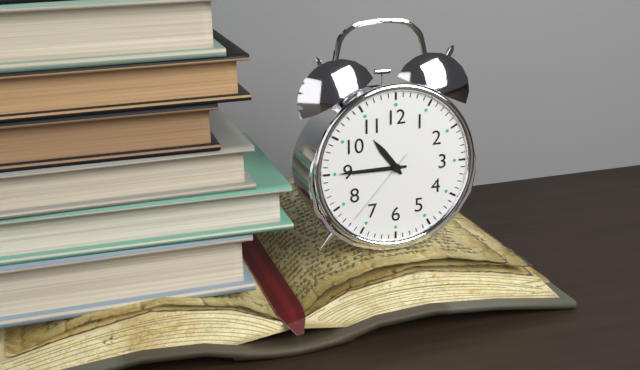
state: 10:45:37
